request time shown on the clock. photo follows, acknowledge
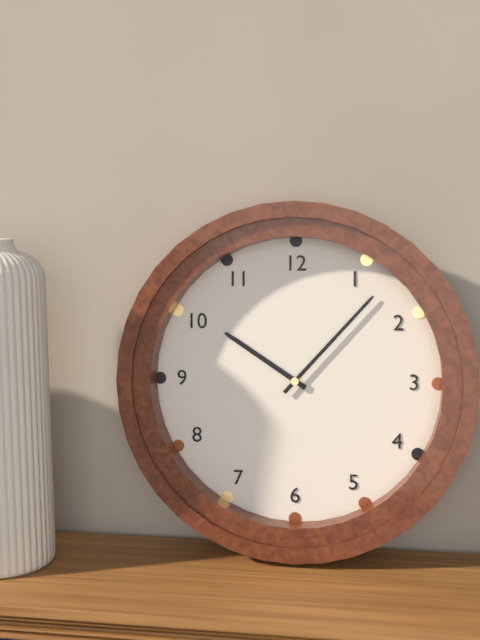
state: 10:07
